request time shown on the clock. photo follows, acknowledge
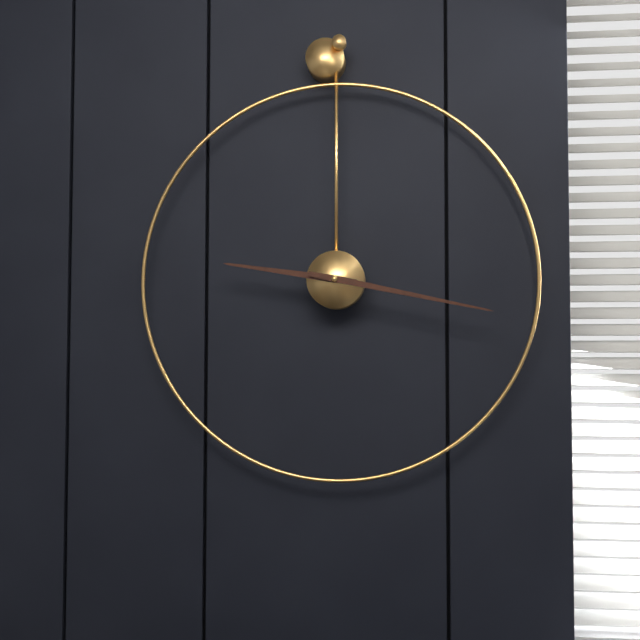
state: 9:17
